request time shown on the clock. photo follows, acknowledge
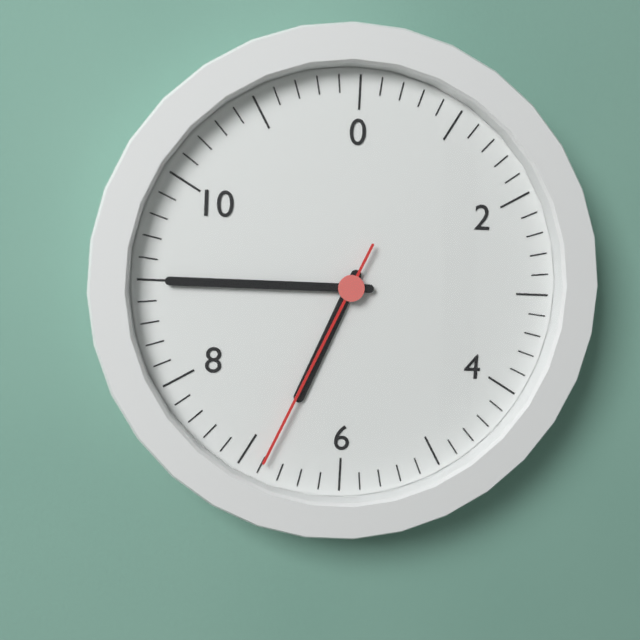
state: 6:45:34
